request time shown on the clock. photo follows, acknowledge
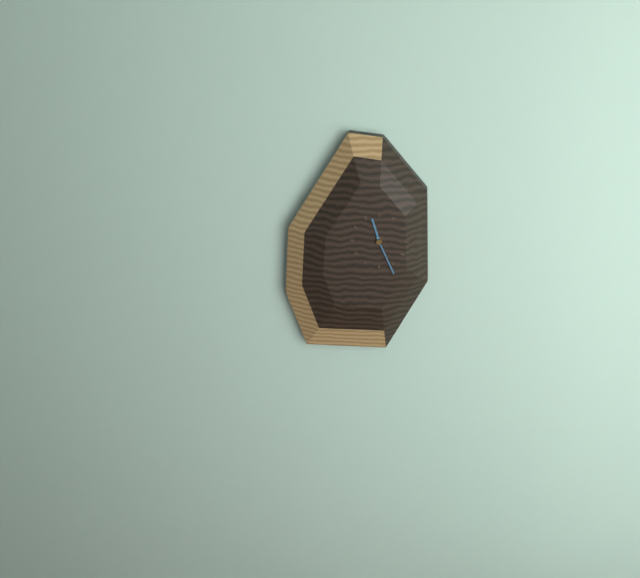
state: 11:26
